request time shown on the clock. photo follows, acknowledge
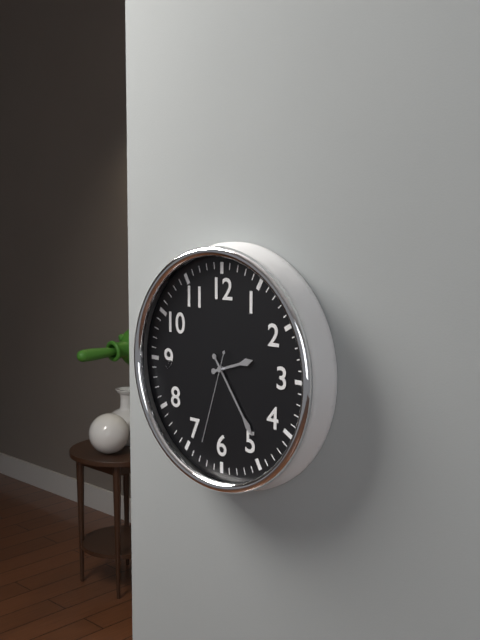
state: 2:24:33
